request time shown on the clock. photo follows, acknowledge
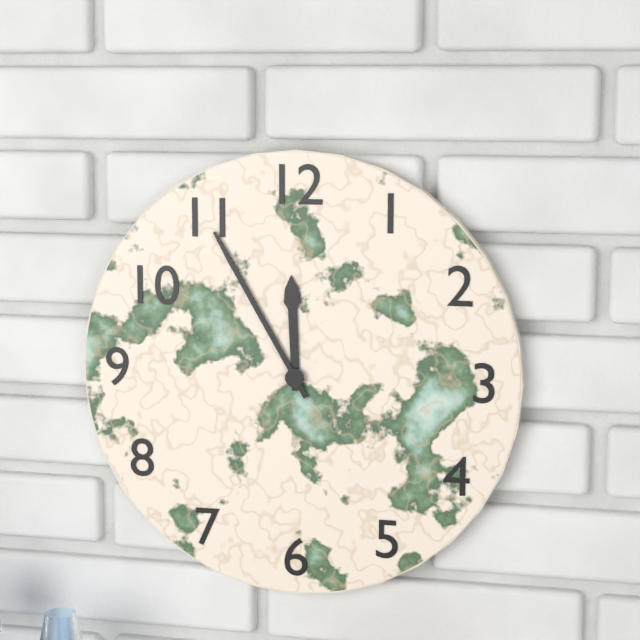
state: 11:55
